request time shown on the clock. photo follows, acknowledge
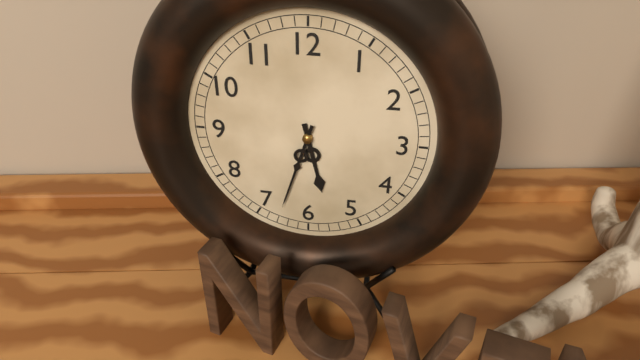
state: 5:33
